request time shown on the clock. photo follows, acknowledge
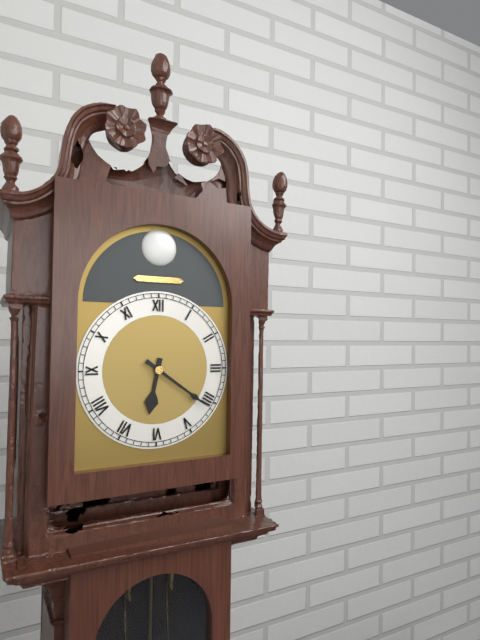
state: 6:21
